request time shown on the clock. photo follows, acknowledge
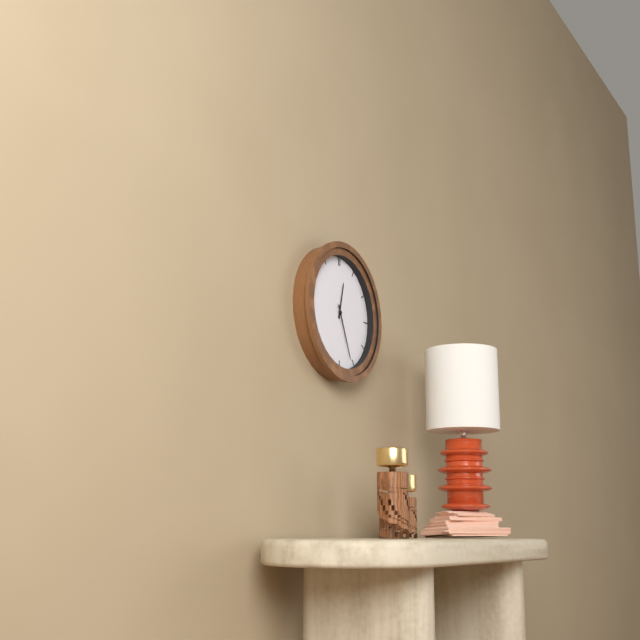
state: 12:26
